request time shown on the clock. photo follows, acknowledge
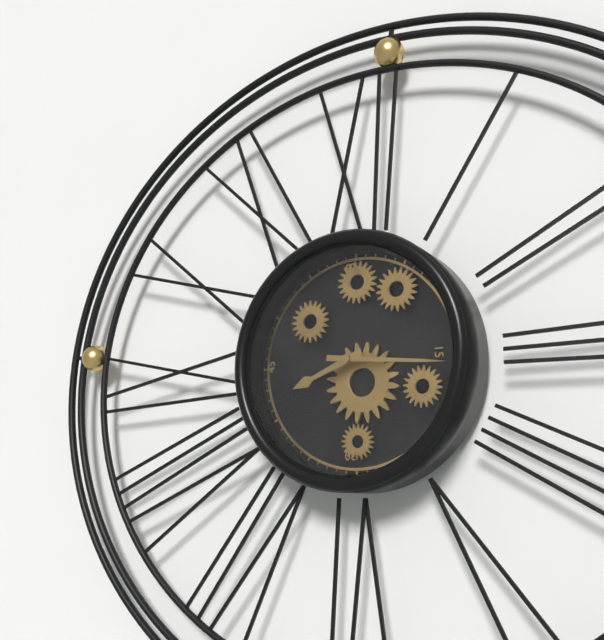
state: 8:16
